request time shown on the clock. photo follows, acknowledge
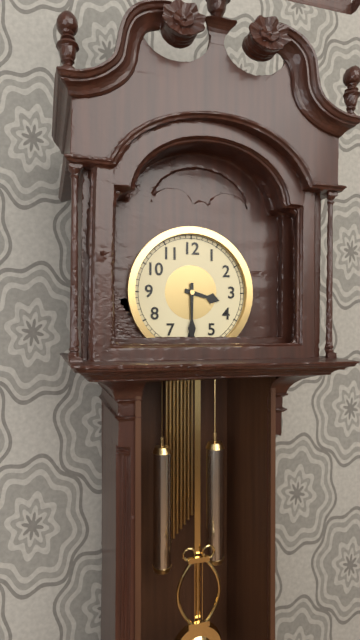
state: 3:30
